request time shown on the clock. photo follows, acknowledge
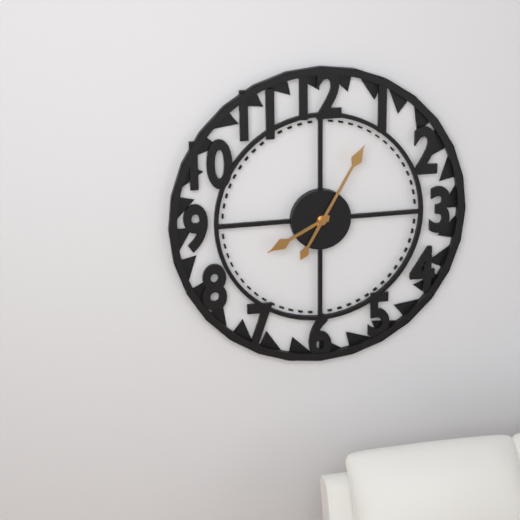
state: 8:05
